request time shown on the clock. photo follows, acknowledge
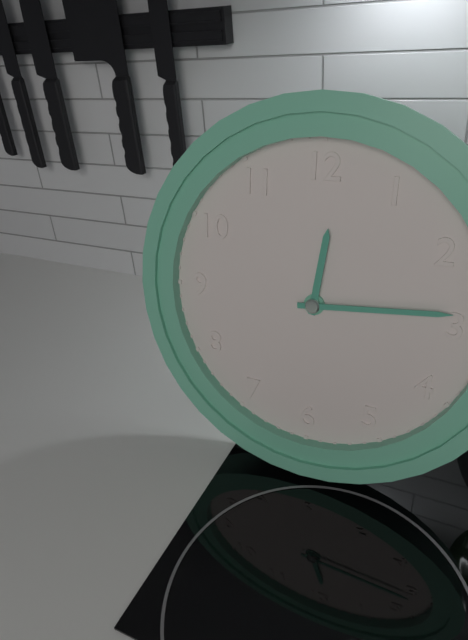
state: 12:14
